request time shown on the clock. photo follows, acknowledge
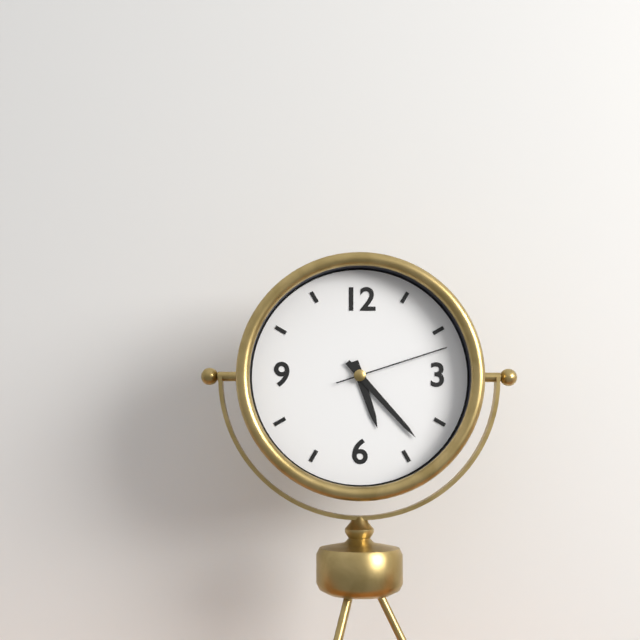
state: 5:23:12
